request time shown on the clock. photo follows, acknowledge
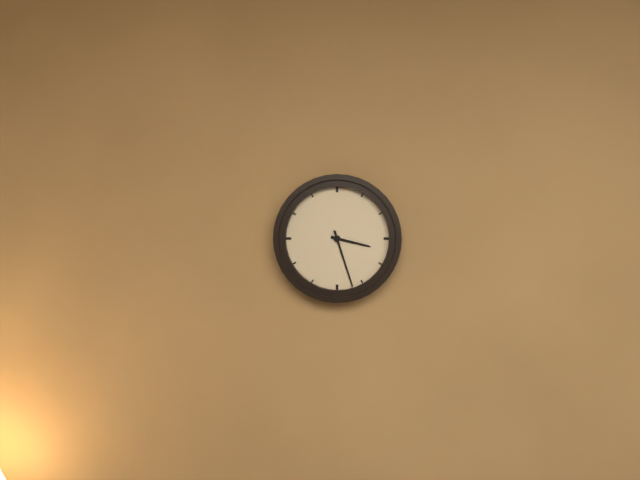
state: 3:27
